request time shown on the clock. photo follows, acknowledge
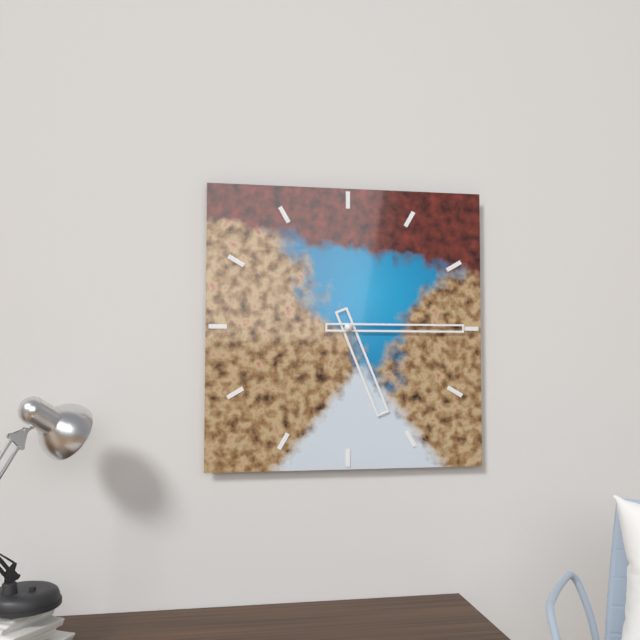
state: 5:15
